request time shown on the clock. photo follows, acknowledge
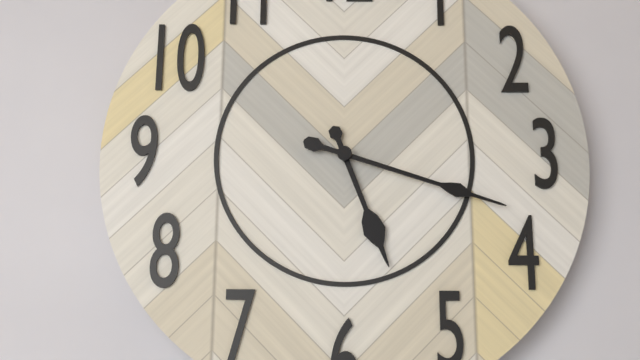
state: 5:18
